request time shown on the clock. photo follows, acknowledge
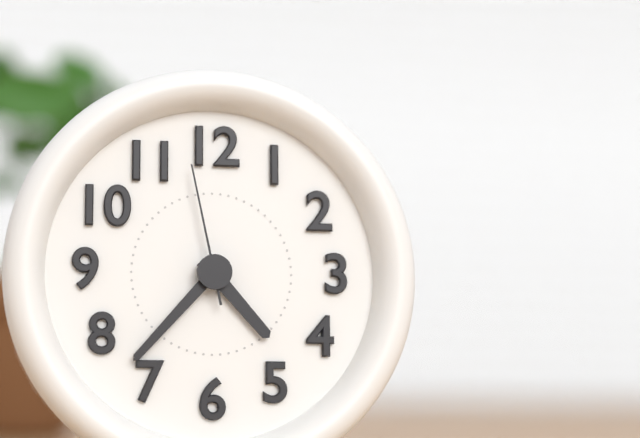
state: 4:37:58
